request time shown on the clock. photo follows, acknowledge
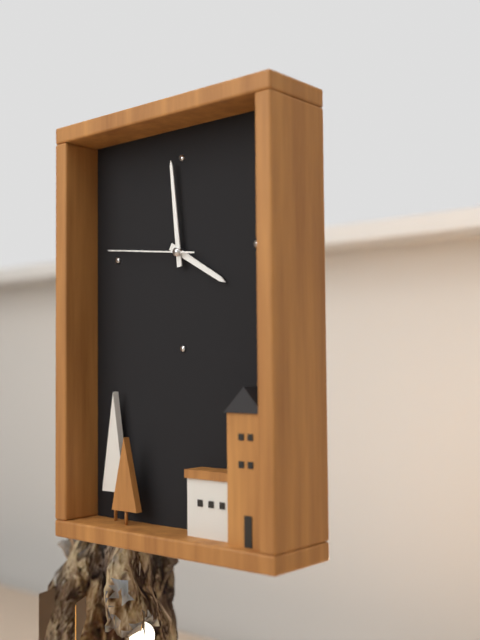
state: 3:59:46
